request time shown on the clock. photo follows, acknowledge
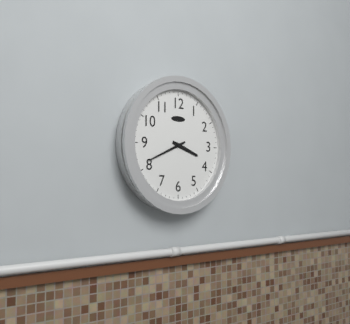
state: 3:41
